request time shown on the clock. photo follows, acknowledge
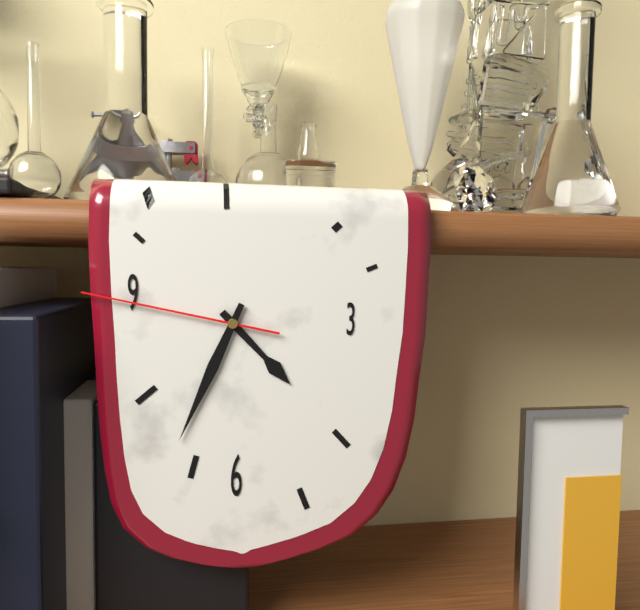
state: 4:34:47
